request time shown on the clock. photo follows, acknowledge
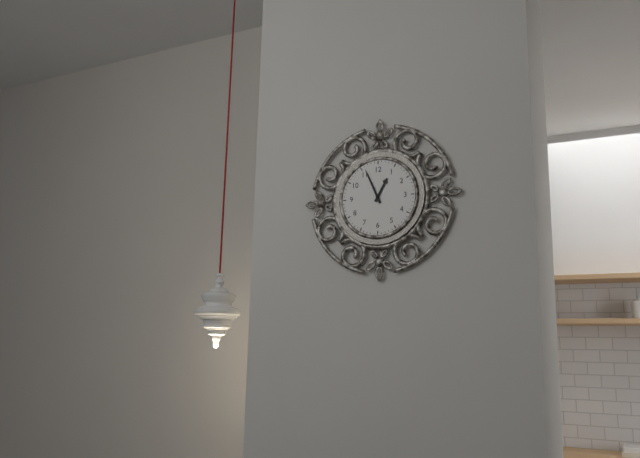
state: 12:56
